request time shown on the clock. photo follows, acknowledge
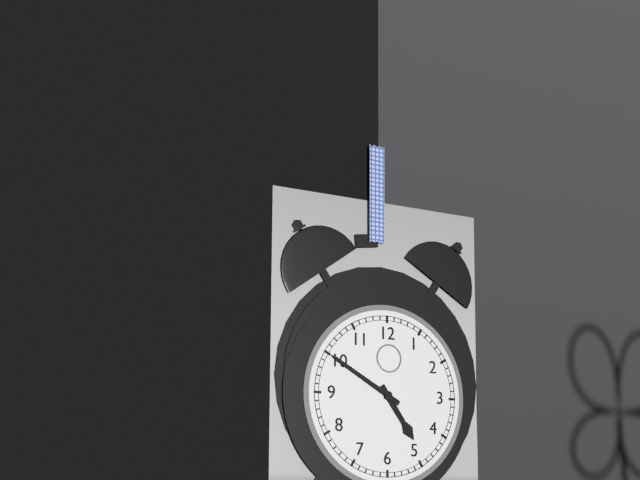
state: 4:50
